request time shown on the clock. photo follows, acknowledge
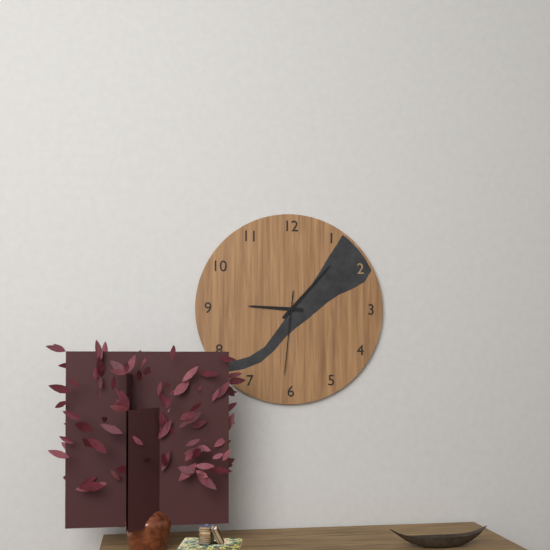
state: 9:07:31
